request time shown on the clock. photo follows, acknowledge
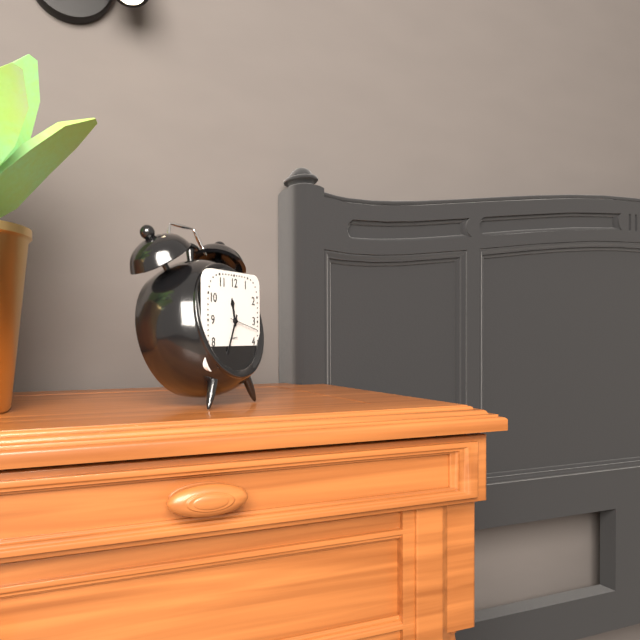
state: 11:34
